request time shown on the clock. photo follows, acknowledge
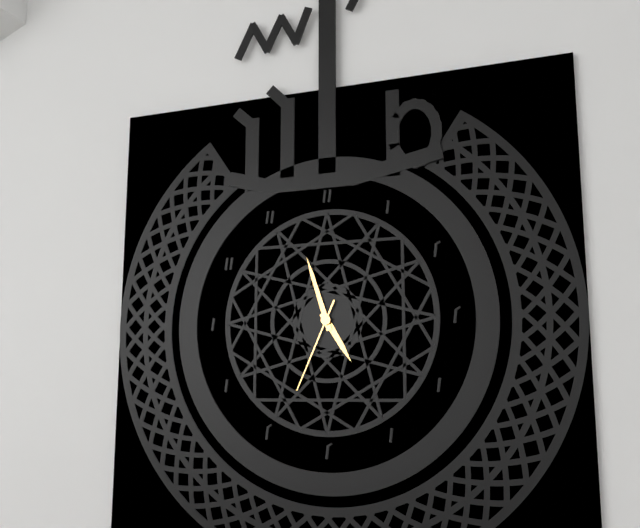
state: 4:57:34
